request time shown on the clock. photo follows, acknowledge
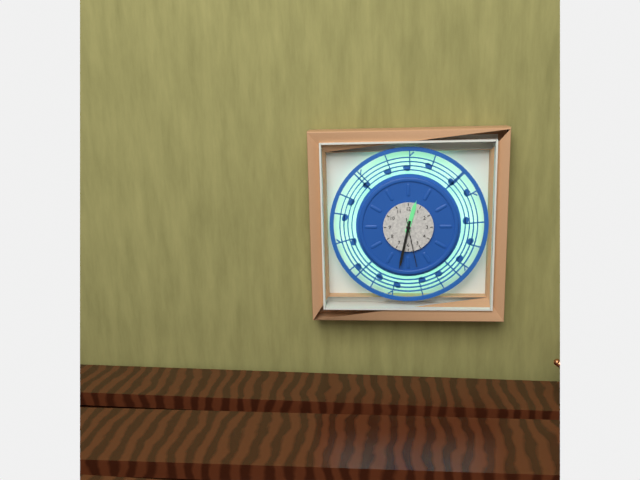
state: 12:32
